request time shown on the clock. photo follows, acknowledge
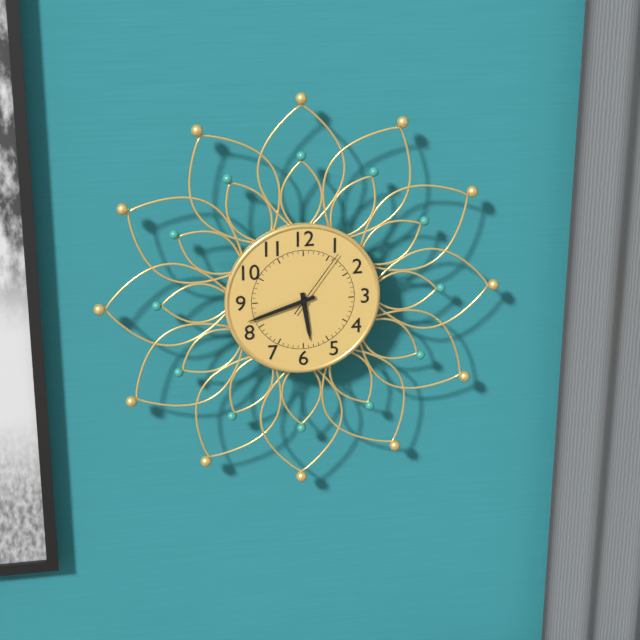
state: 5:42:06
